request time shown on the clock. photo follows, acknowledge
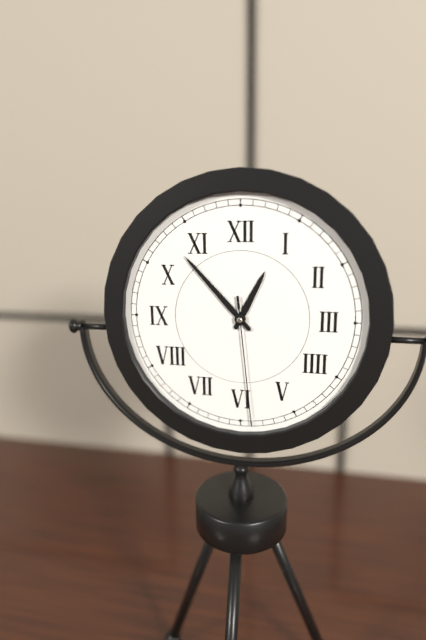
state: 12:53:29
